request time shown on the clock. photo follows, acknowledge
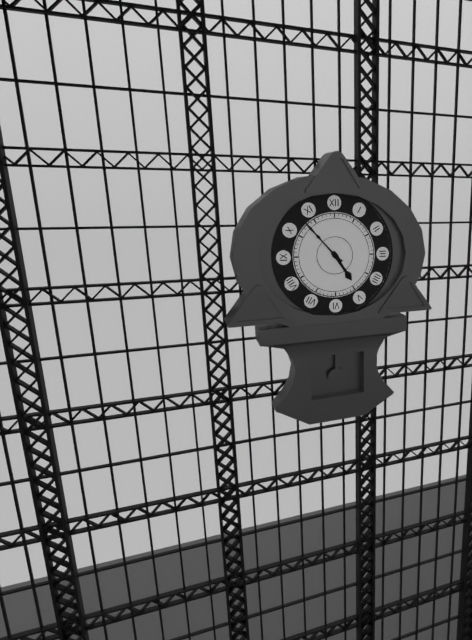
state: 4:53
